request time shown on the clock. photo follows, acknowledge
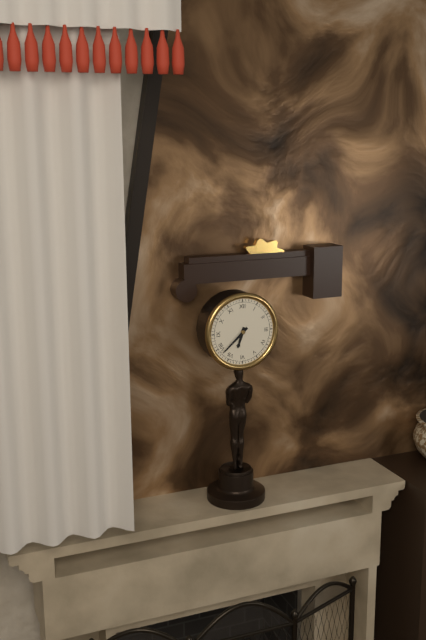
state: 6:38
